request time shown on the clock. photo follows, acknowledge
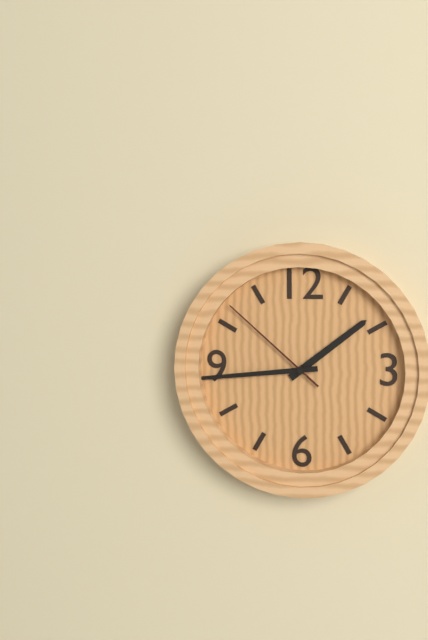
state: 1:44:52
